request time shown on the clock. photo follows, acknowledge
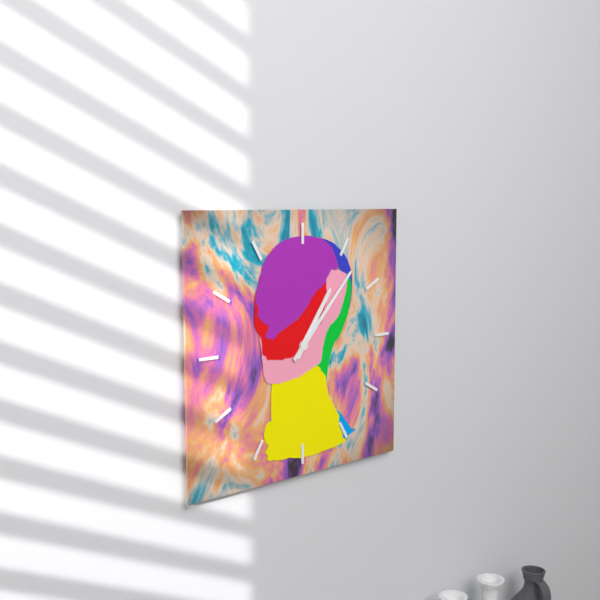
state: 1:07
